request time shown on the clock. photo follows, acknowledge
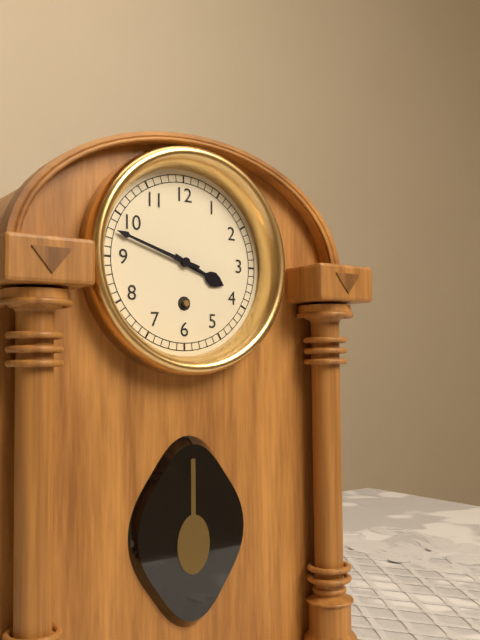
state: 3:48
